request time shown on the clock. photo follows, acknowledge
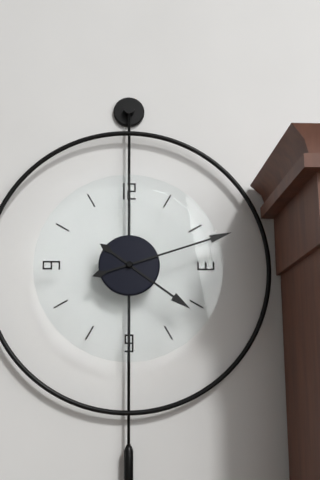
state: 4:12
